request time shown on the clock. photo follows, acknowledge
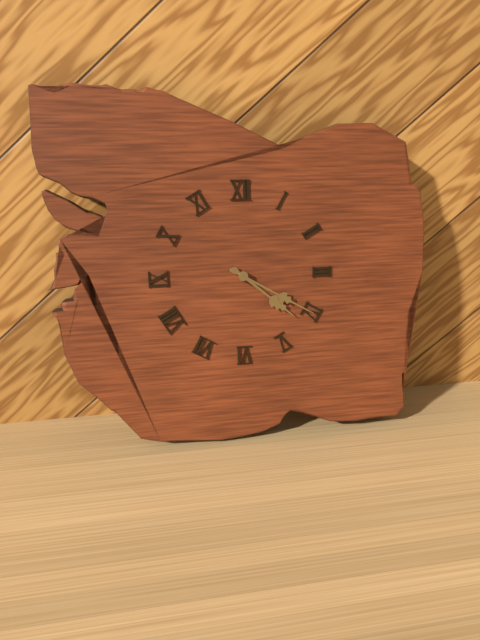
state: 4:20
